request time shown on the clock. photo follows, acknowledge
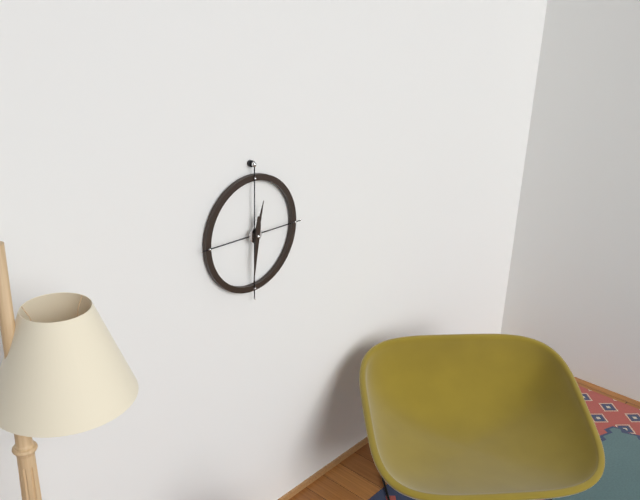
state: 12:31
